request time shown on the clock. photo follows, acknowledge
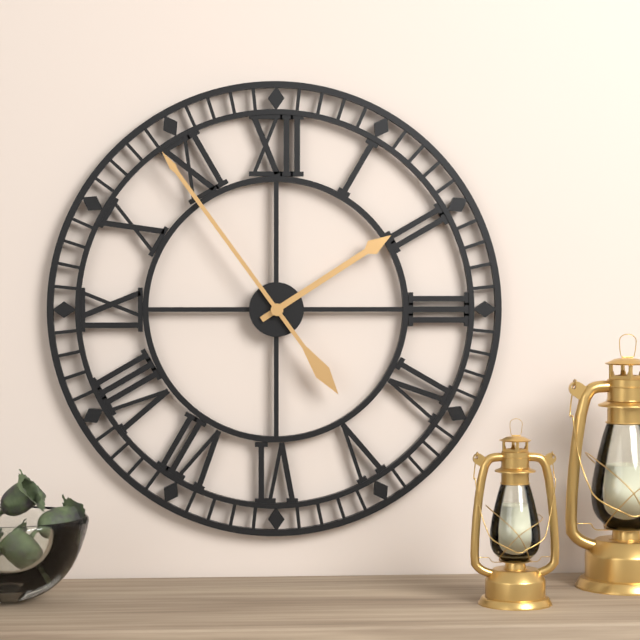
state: 1:54
